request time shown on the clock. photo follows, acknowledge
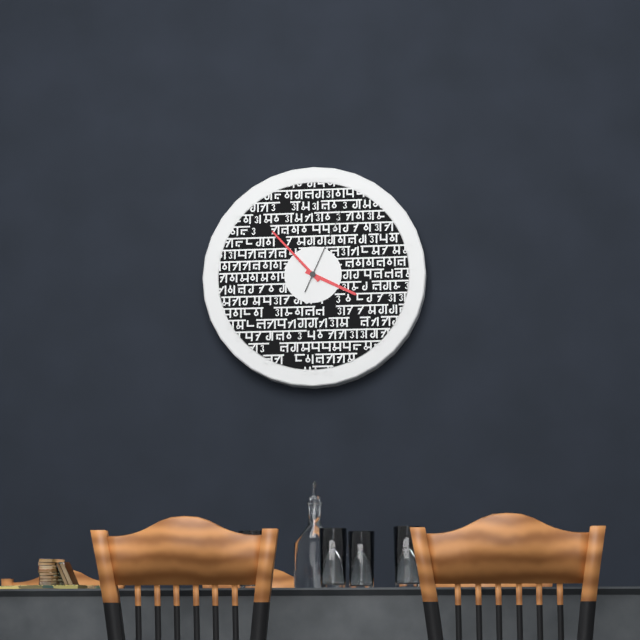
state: 3:53:04
